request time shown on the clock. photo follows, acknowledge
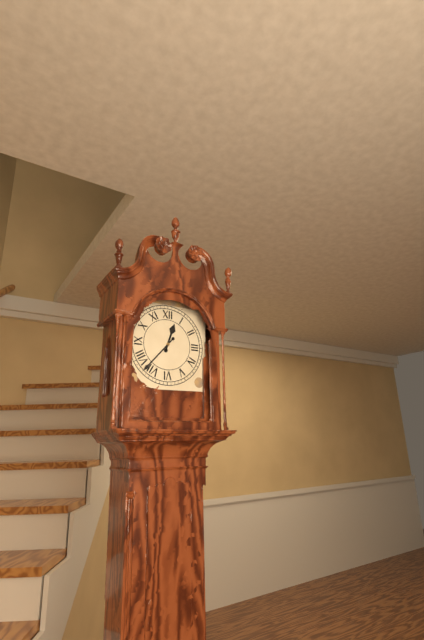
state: 12:37
